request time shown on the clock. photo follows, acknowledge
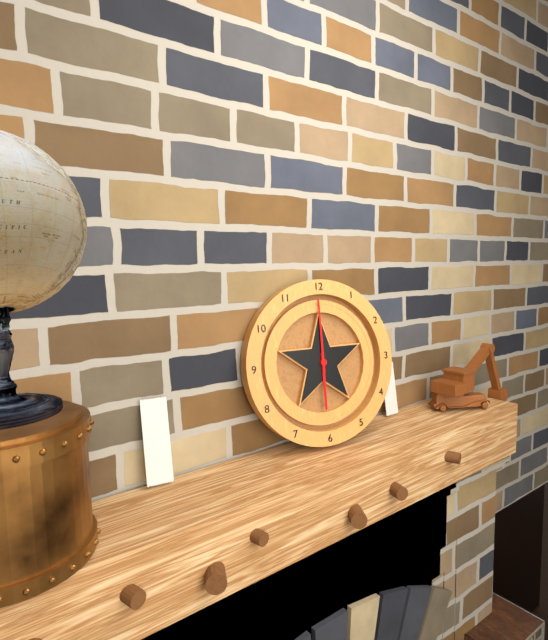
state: 6:00
